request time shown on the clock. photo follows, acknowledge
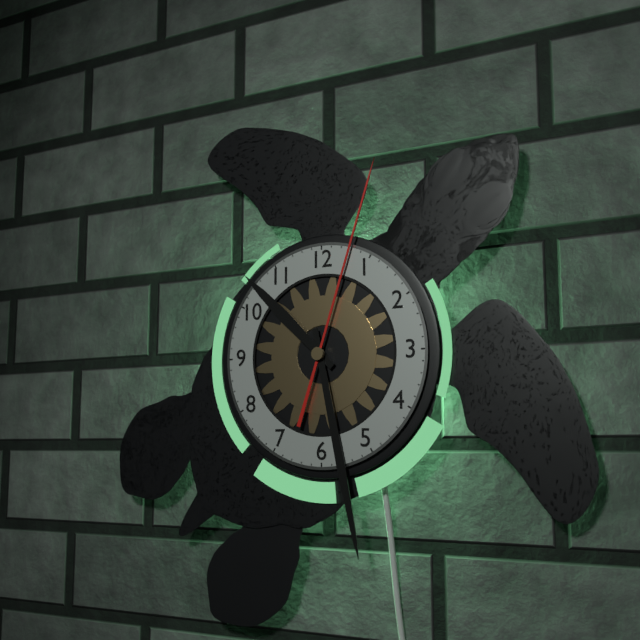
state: 10:28:03
